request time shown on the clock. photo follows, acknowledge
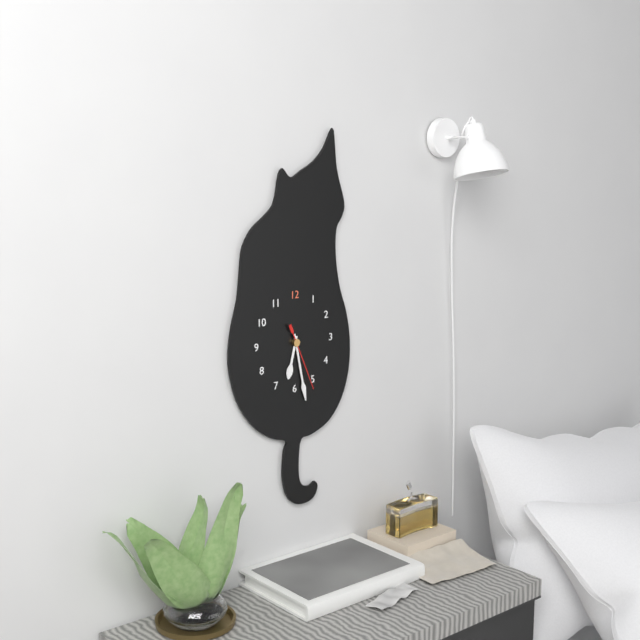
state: 6:28:26
